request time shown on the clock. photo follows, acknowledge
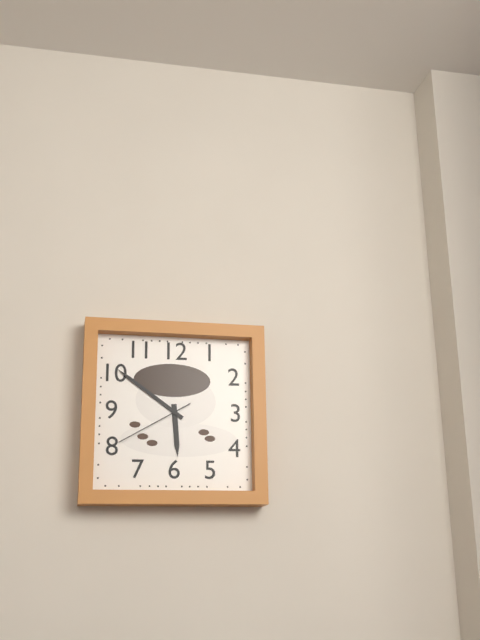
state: 5:51:40
